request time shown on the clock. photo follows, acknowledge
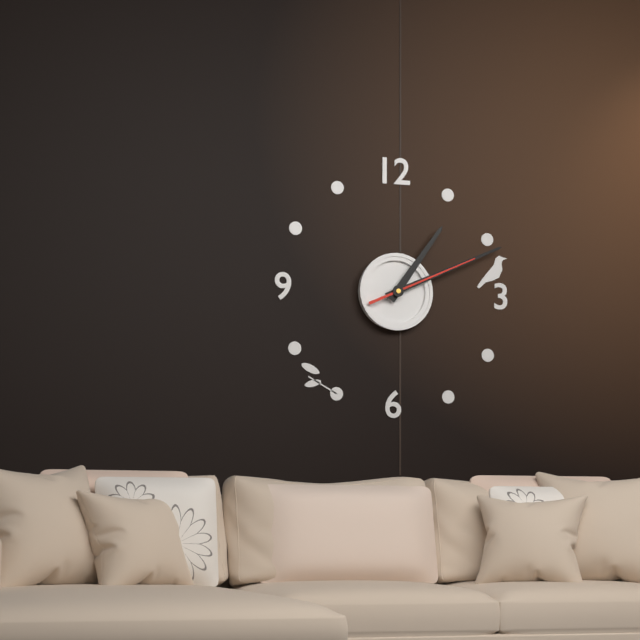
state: 1:11:11
